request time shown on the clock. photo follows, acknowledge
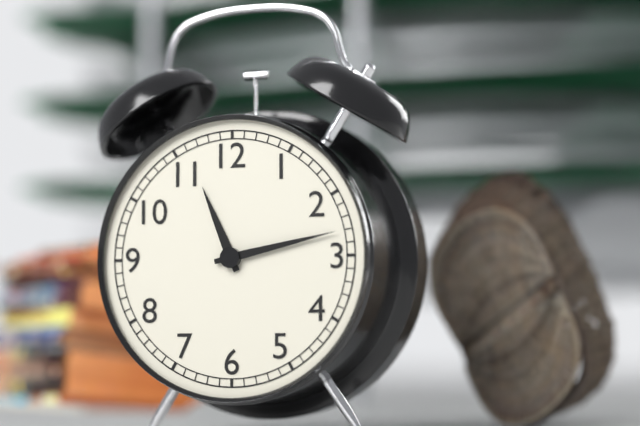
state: 11:13
